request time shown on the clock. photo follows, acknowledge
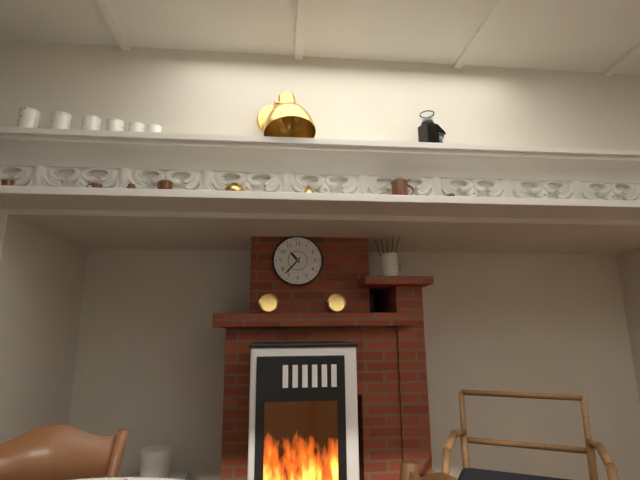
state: 10:37
